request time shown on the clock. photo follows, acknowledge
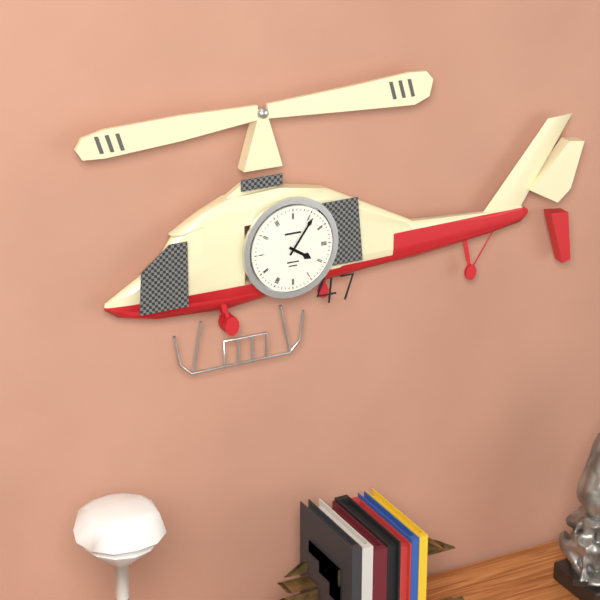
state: 4:06
